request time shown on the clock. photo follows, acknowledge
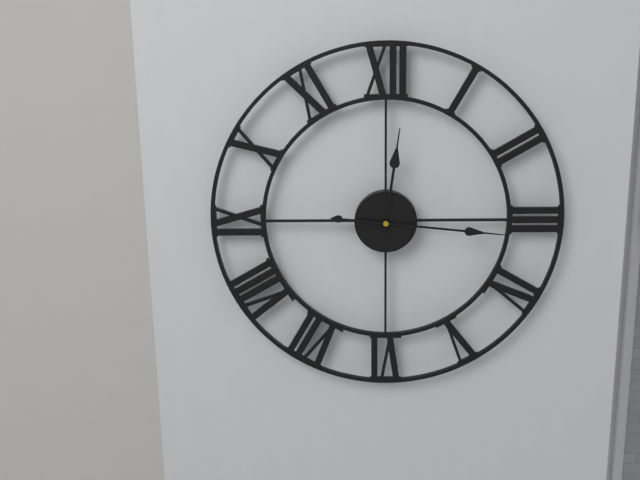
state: 12:16
